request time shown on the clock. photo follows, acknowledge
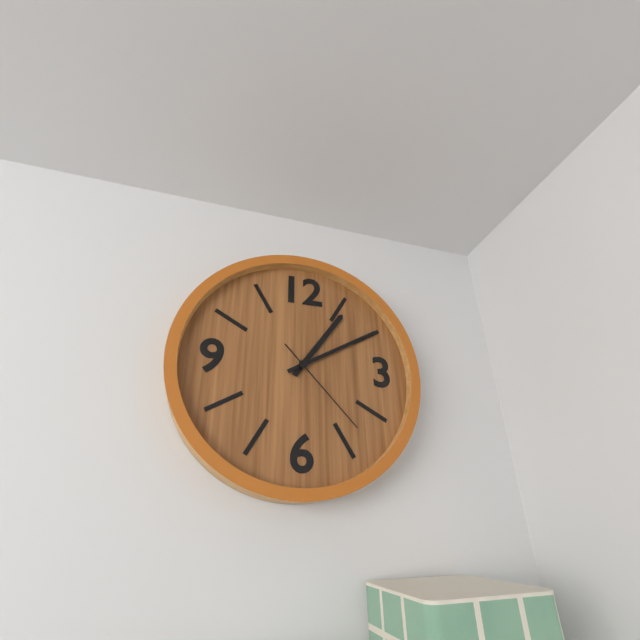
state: 1:10:23
